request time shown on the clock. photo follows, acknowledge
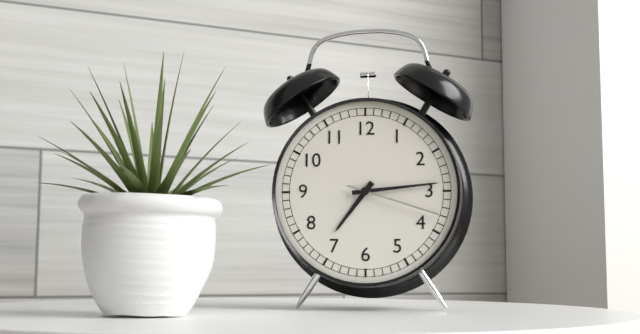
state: 7:14:18
